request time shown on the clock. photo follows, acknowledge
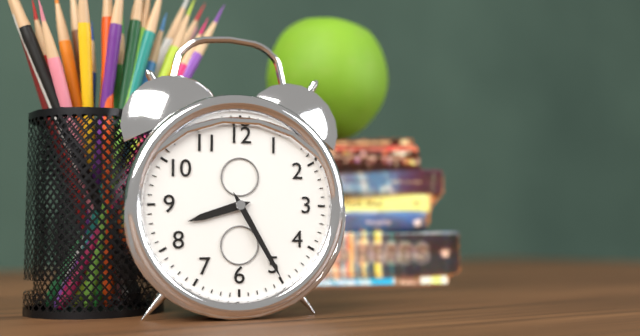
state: 8:25
